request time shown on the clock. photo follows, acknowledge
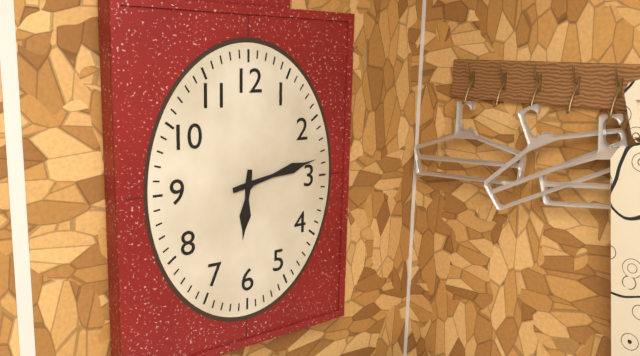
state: 6:13
